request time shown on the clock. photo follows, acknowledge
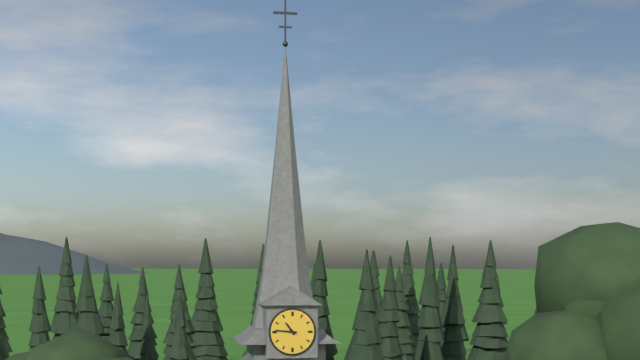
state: 10:46
